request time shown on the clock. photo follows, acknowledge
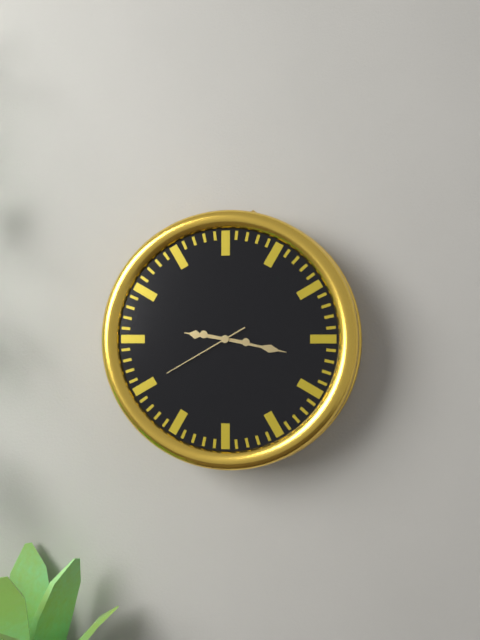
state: 9:17:40
